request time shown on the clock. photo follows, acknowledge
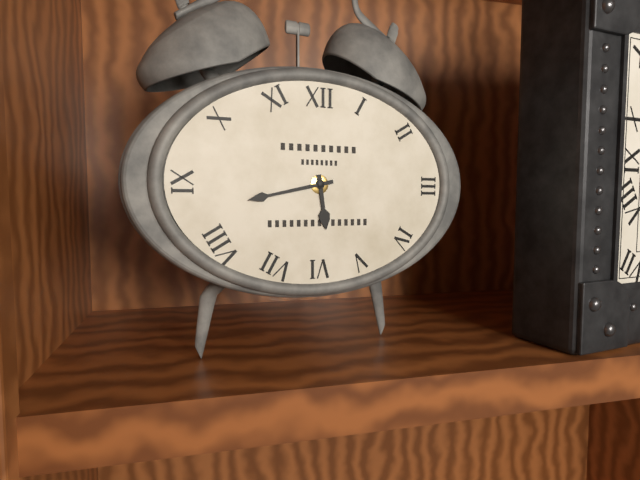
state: 5:43
